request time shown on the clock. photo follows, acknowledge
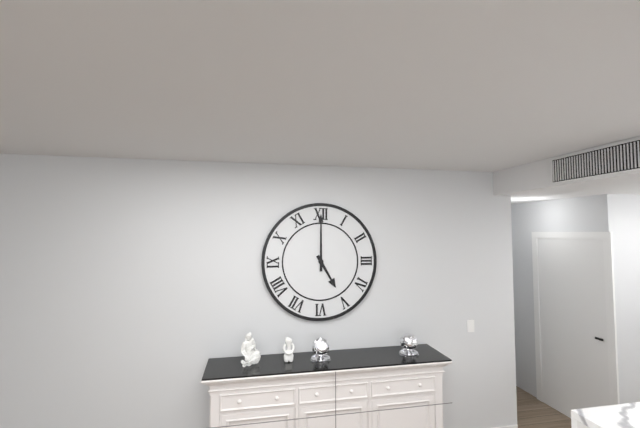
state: 5:00
